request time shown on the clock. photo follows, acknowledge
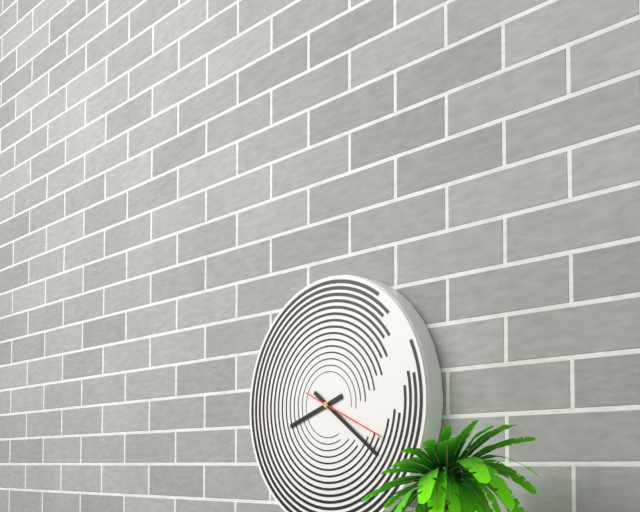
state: 8:21:19
